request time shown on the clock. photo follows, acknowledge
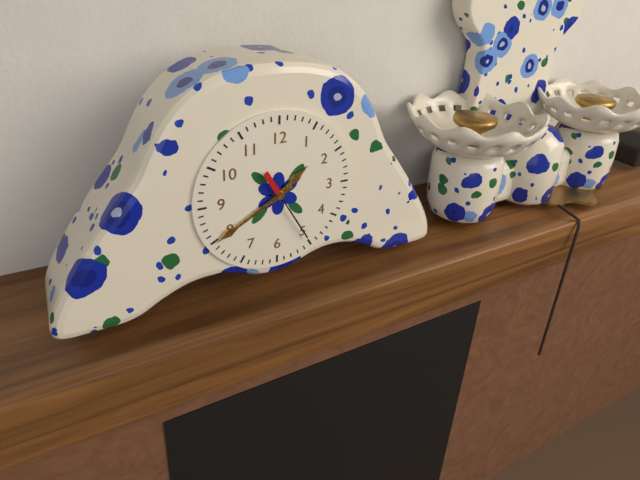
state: 1:40:25
